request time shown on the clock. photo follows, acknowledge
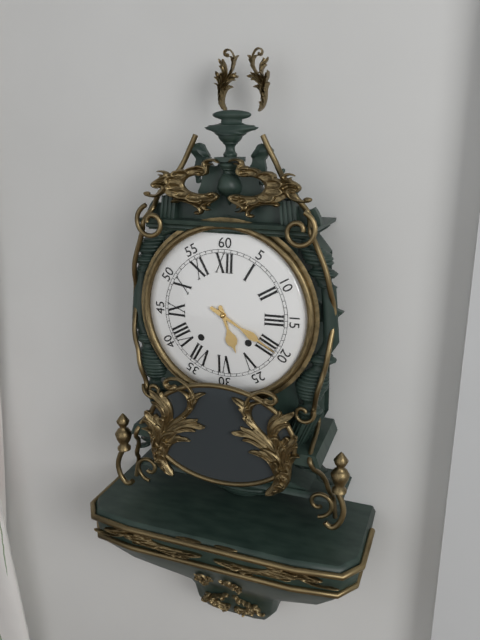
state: 5:20
